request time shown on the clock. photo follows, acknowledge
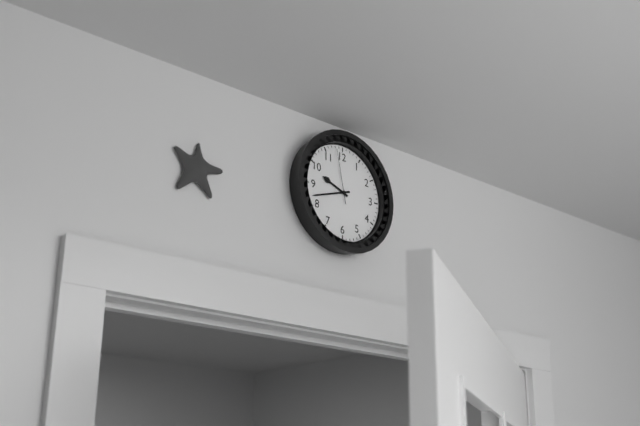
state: 9:42:58
